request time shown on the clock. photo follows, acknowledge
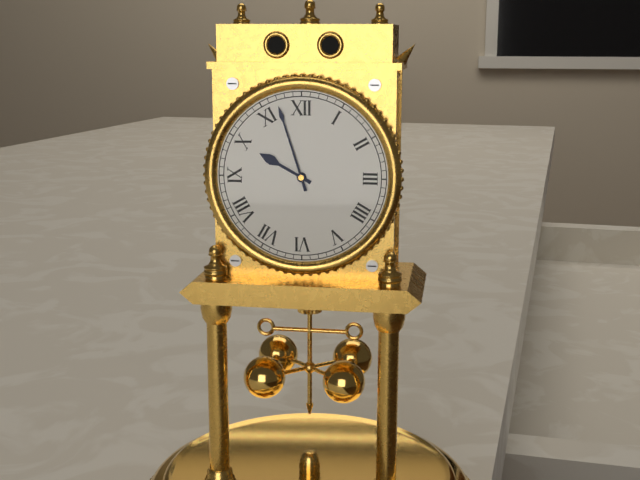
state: 9:57
